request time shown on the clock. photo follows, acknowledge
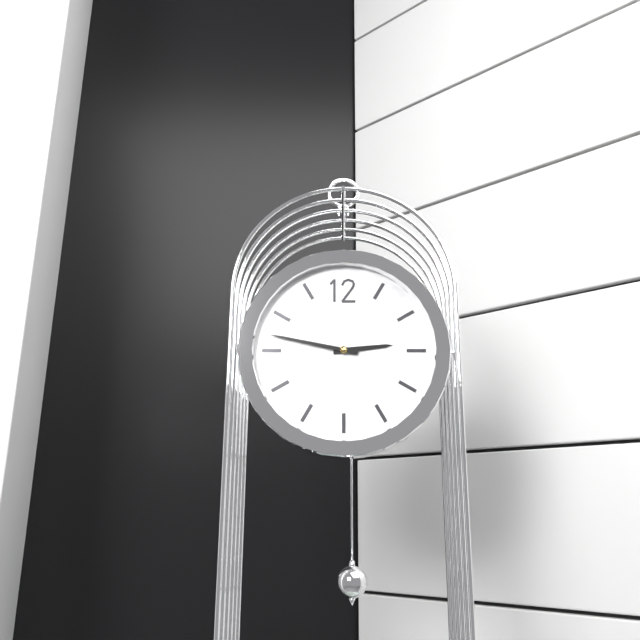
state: 2:47
